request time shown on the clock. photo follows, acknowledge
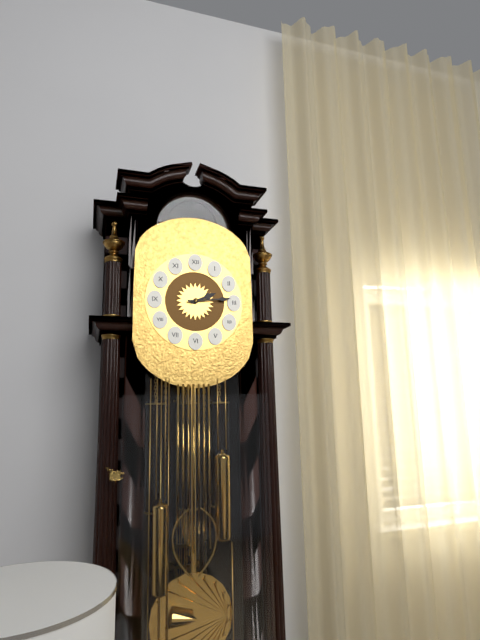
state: 2:14
